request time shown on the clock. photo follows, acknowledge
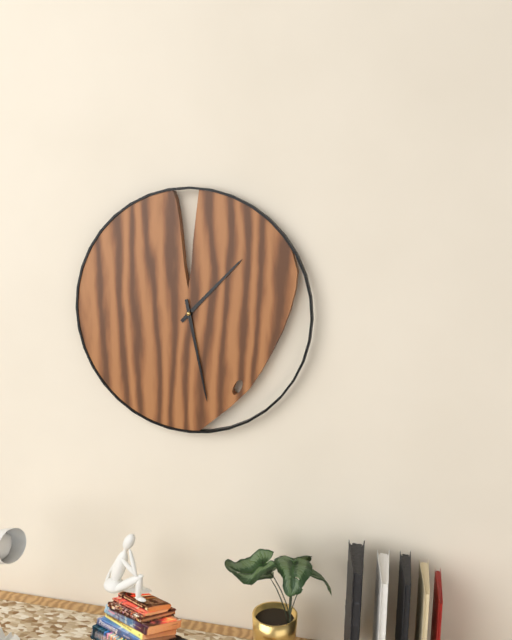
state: 1:28
